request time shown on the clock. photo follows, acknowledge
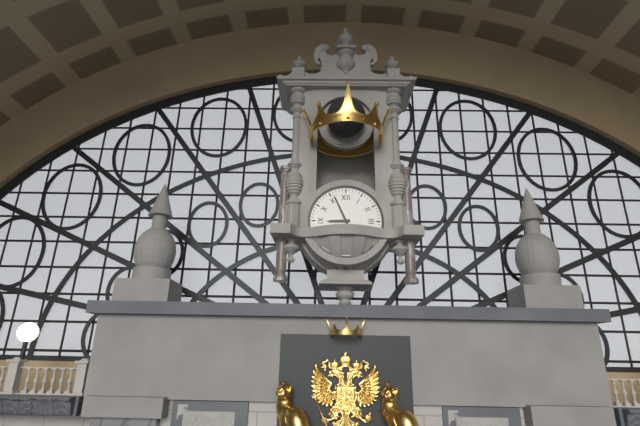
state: 8:56
